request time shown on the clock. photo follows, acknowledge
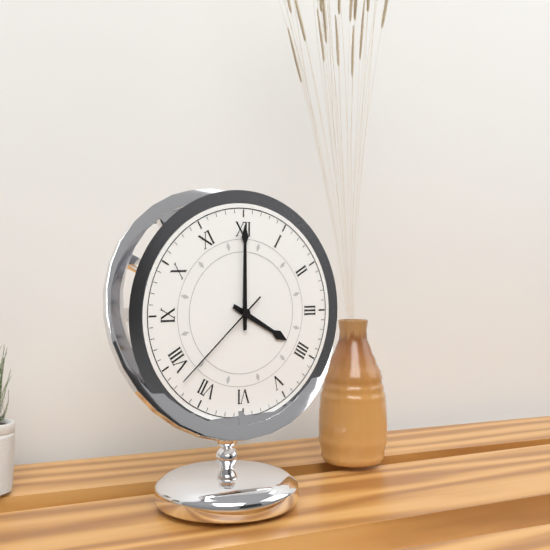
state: 4:00:38
